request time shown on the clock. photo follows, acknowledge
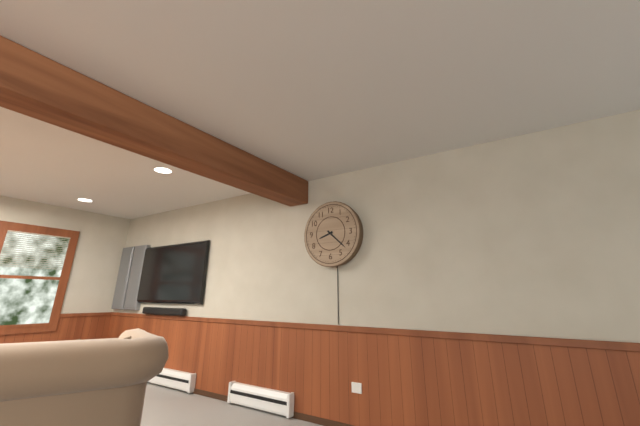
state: 8:22
